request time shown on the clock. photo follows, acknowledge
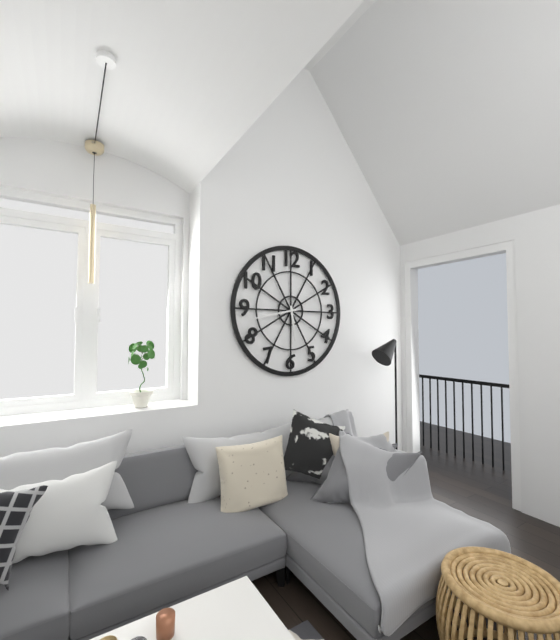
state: 5:43
